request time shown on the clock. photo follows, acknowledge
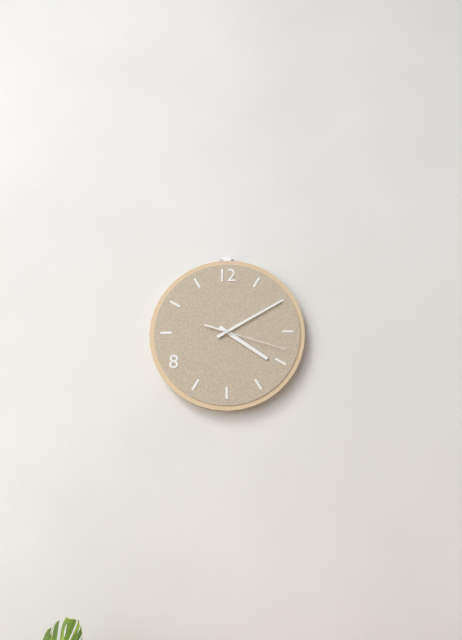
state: 4:10:18
